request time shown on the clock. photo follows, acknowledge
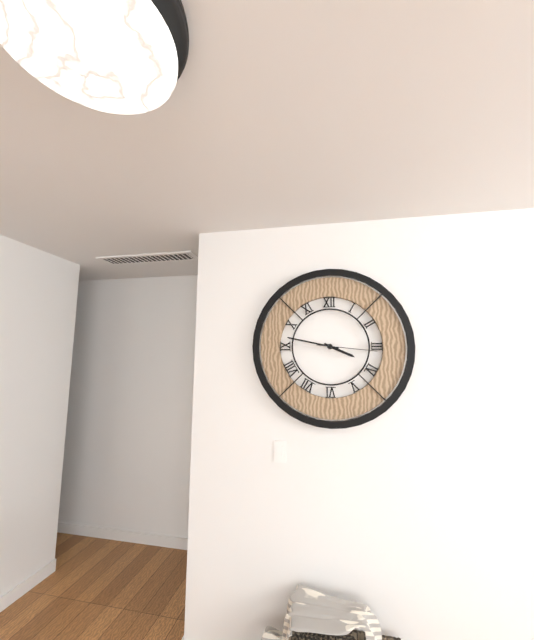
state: 3:47:16
